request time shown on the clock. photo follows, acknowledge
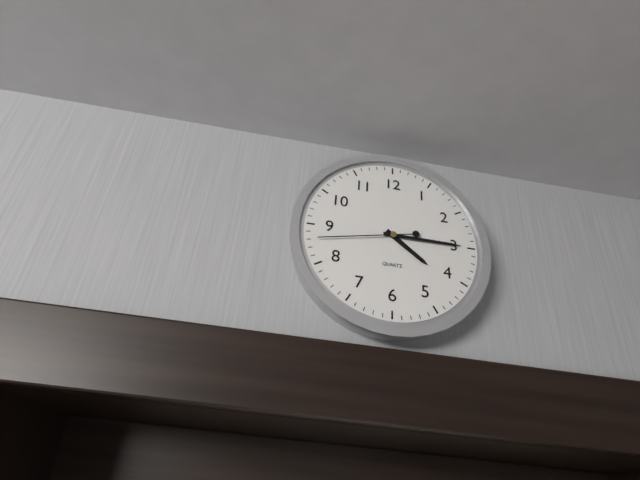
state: 4:15:43
